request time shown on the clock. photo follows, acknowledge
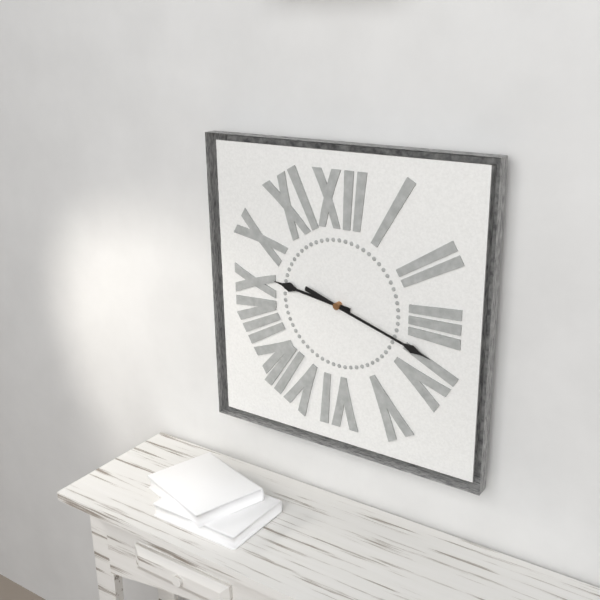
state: 9:18
